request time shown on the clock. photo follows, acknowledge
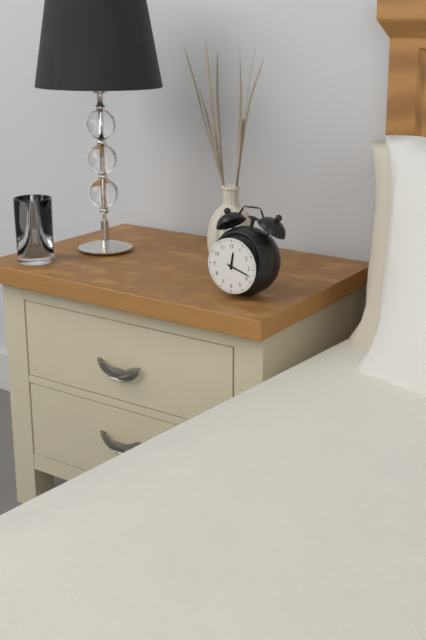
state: 12:18
